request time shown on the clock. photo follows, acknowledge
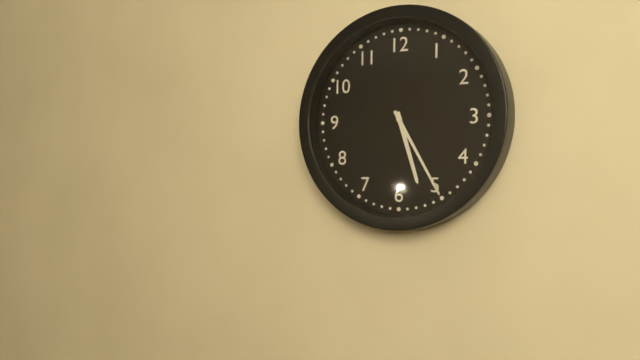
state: 5:25
